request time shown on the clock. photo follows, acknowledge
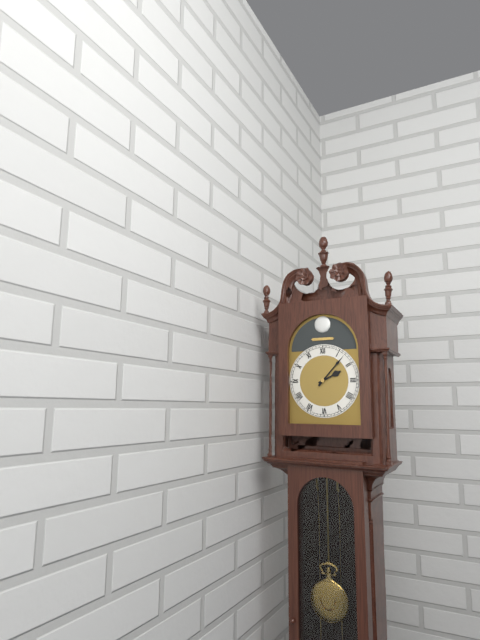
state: 2:07
